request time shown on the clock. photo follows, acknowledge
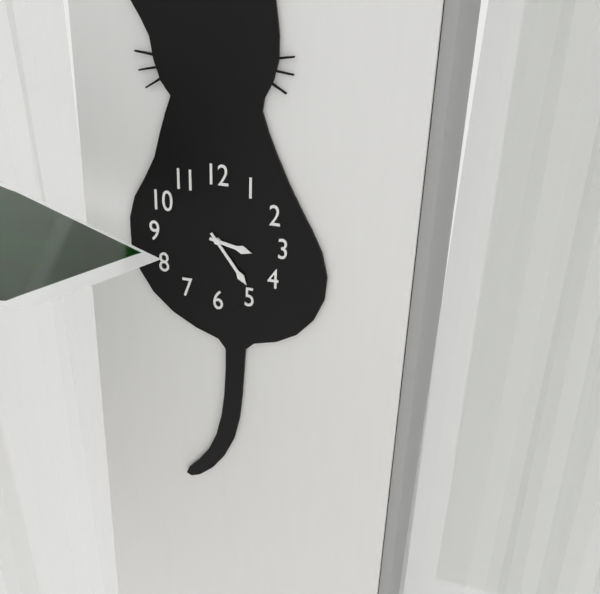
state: 3:24
